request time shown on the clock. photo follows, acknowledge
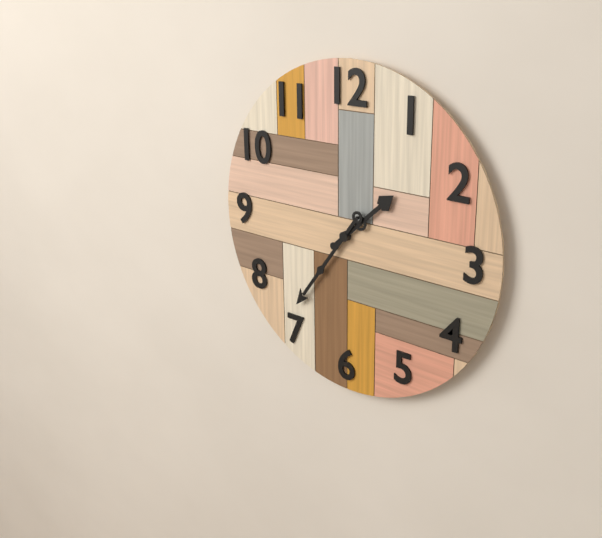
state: 1:36
